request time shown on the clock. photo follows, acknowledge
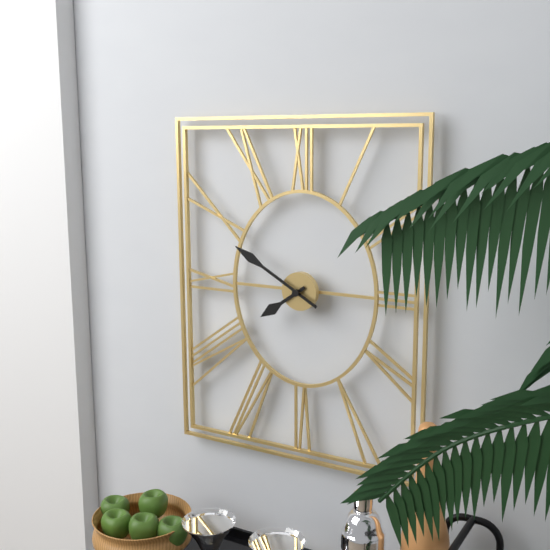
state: 7:50
